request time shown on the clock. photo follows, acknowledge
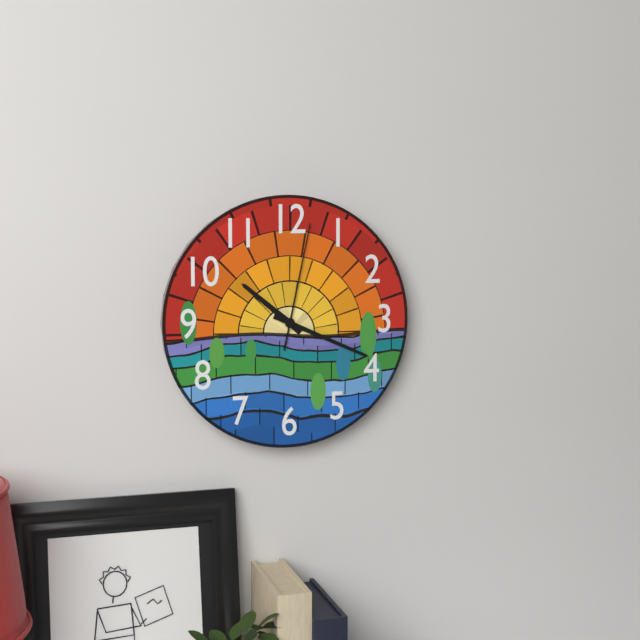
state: 10:19:02
